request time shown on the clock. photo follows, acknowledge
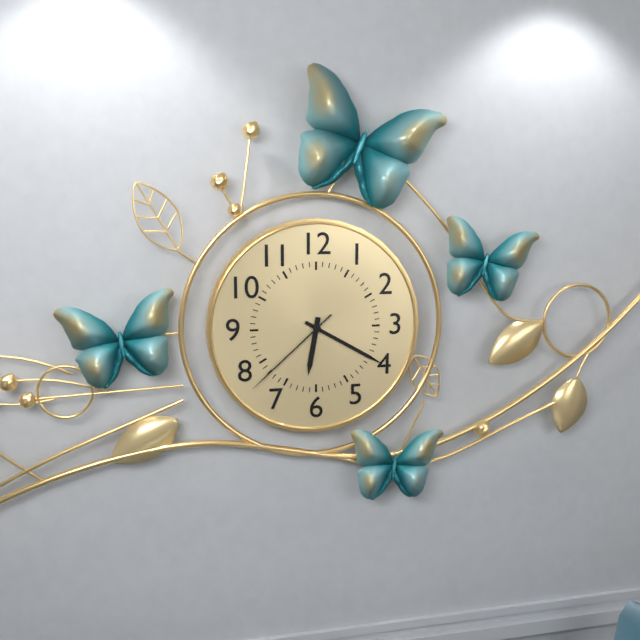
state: 6:20:38
